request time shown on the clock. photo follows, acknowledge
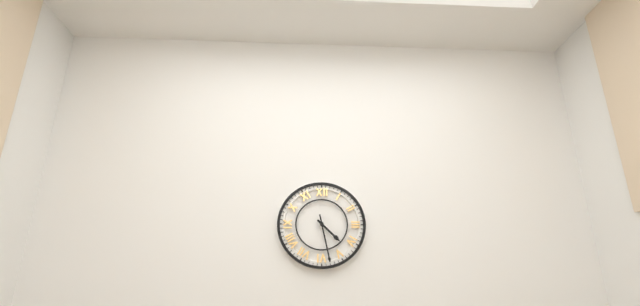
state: 4:28
